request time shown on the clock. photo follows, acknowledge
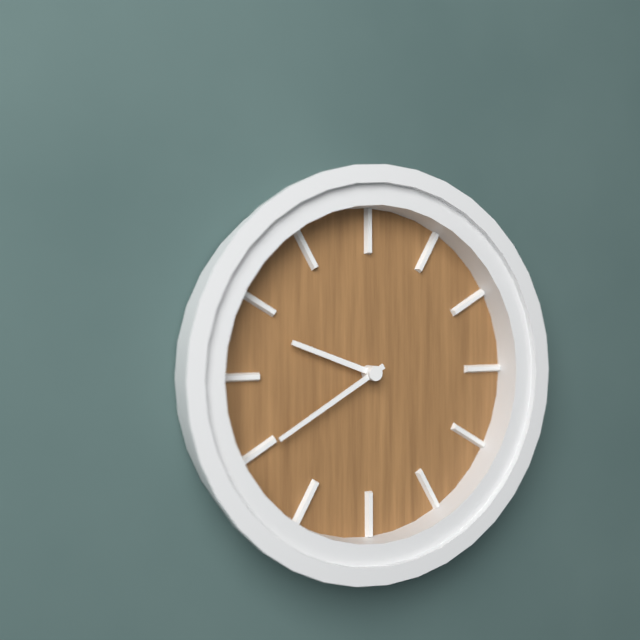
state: 9:40
